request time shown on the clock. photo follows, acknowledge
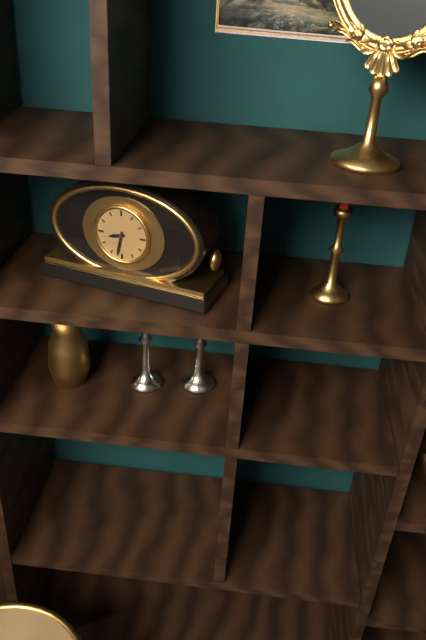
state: 8:32
